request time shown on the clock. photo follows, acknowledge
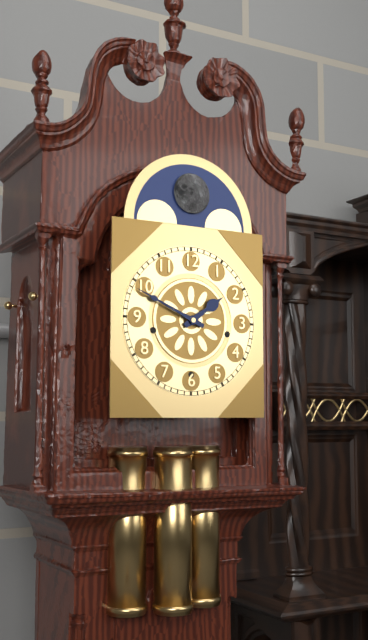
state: 1:49
